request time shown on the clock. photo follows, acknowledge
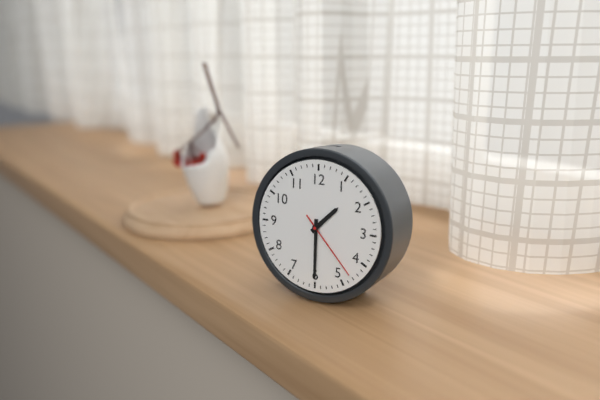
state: 1:30:23
